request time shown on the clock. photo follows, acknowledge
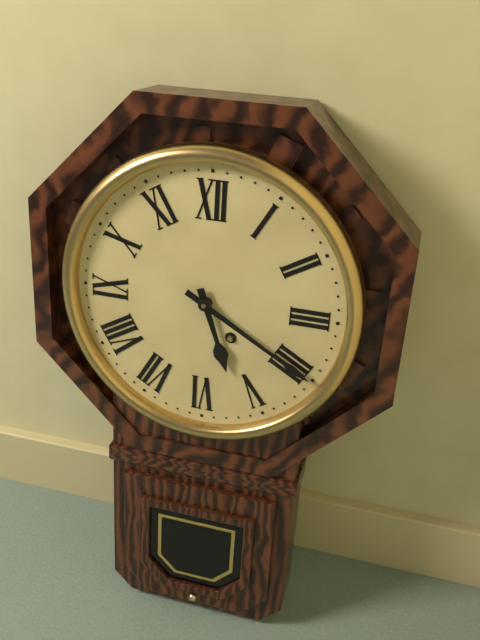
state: 5:20
